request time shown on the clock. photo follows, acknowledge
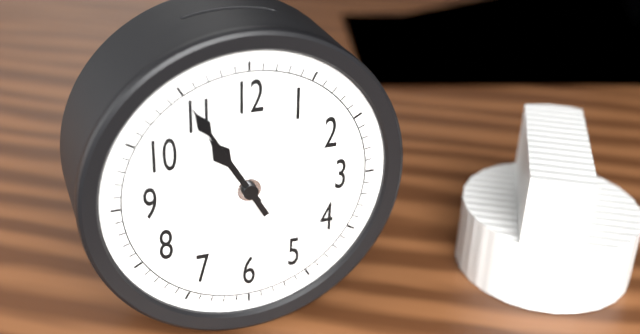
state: 10:55
